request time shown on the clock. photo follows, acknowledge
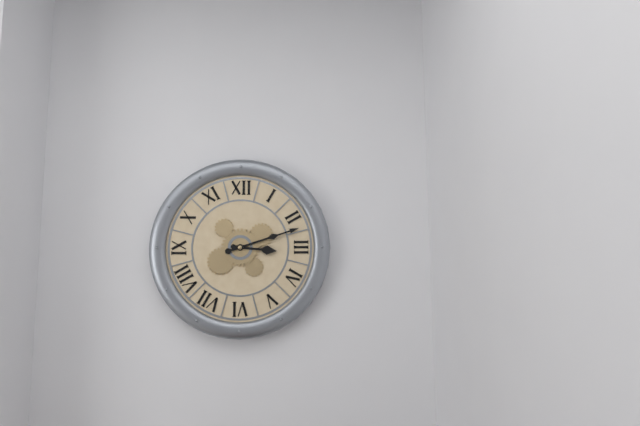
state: 3:12
